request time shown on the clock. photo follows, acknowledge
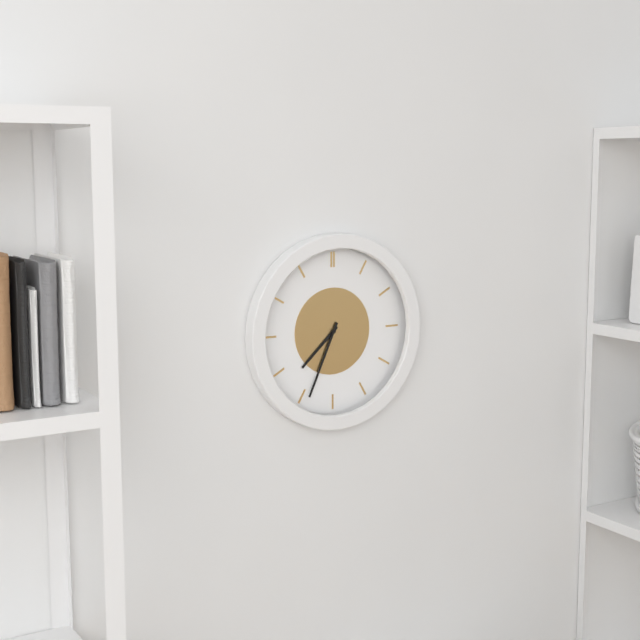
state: 7:34
